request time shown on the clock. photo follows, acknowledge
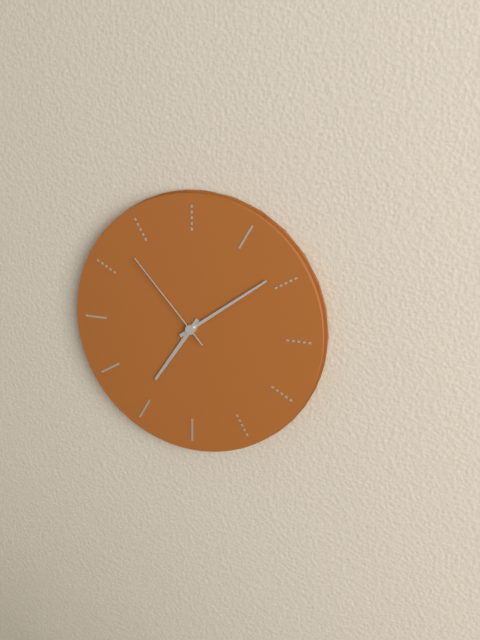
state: 7:09:53
